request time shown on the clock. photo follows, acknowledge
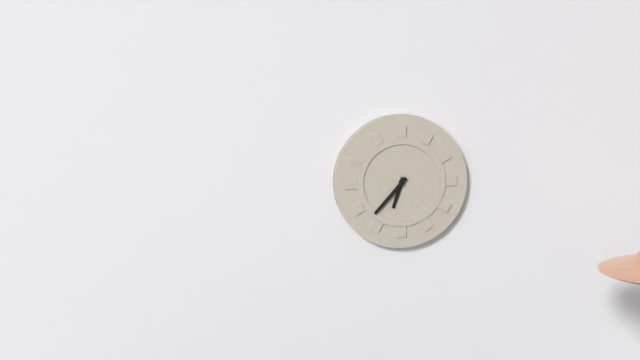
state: 6:37
